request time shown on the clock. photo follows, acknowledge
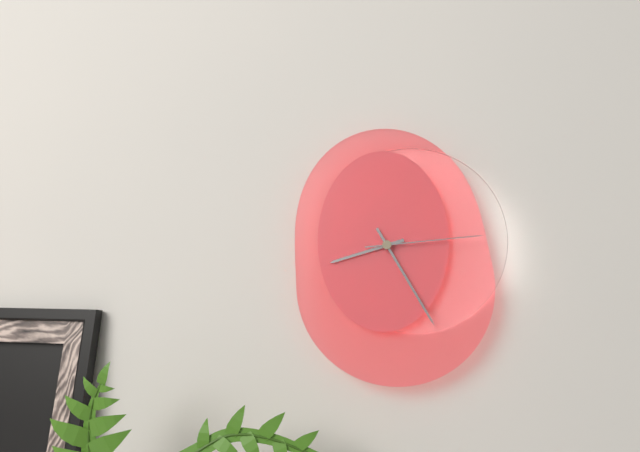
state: 8:25:14
